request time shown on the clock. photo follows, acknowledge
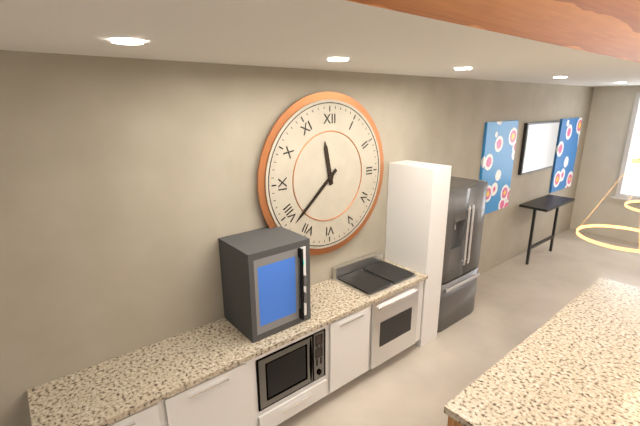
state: 11:38
